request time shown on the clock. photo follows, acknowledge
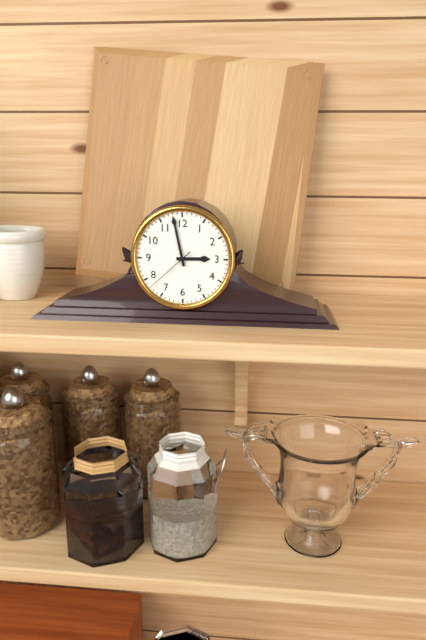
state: 2:58:38
